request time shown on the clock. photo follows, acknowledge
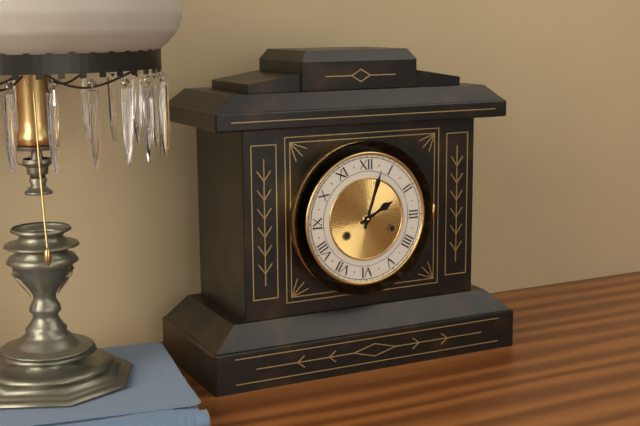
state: 2:03
